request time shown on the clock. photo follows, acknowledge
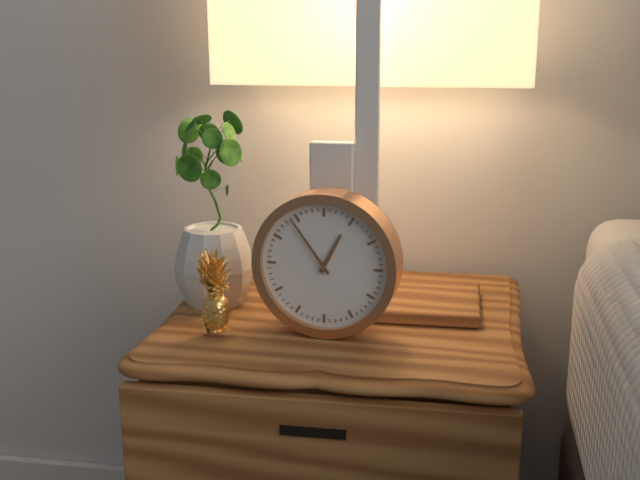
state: 12:54
